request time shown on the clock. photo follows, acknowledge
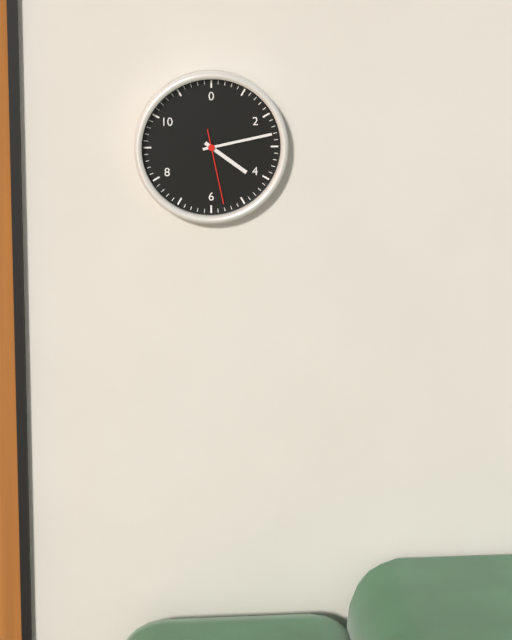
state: 4:13:28
